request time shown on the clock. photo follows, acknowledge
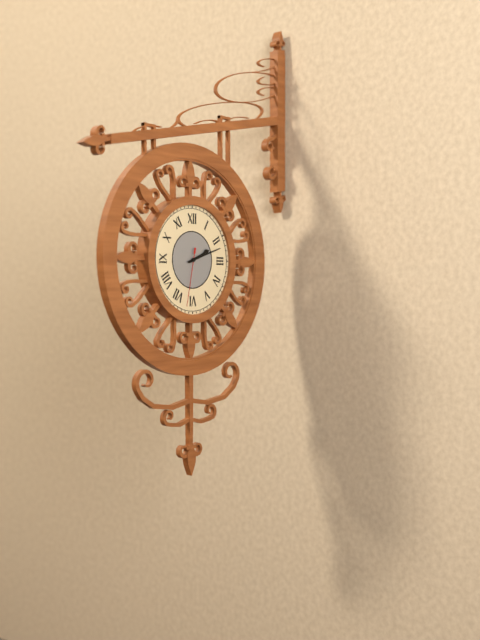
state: 2:12:32
